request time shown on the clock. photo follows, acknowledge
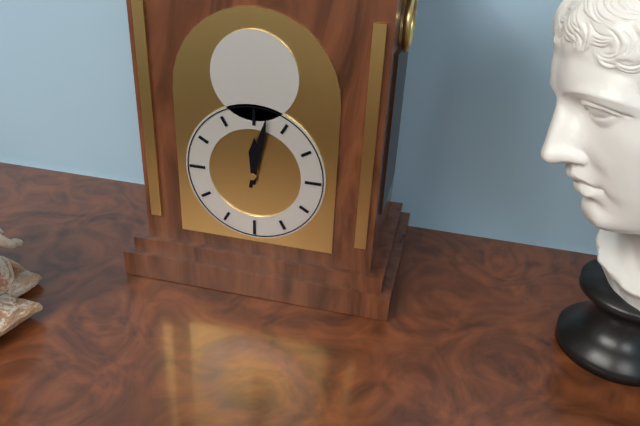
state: 12:02
